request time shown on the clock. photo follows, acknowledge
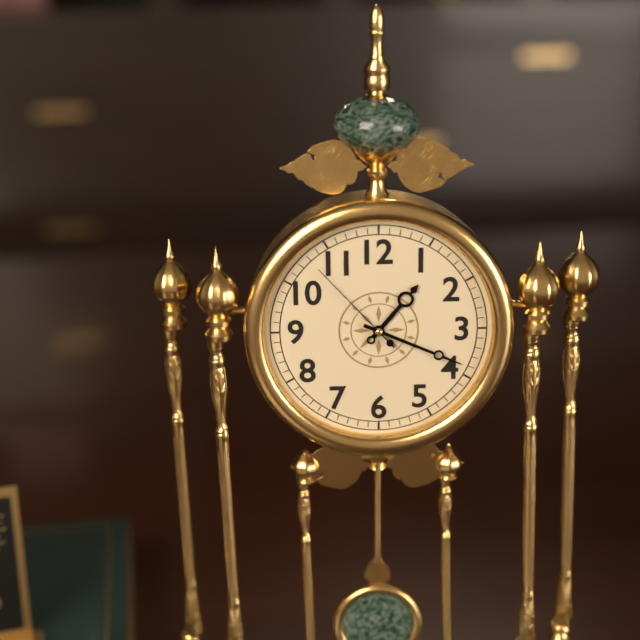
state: 1:19:53
